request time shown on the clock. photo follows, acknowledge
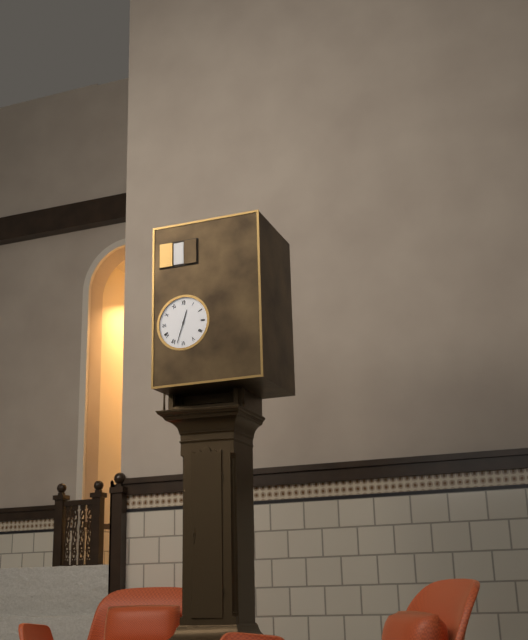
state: 12:33
